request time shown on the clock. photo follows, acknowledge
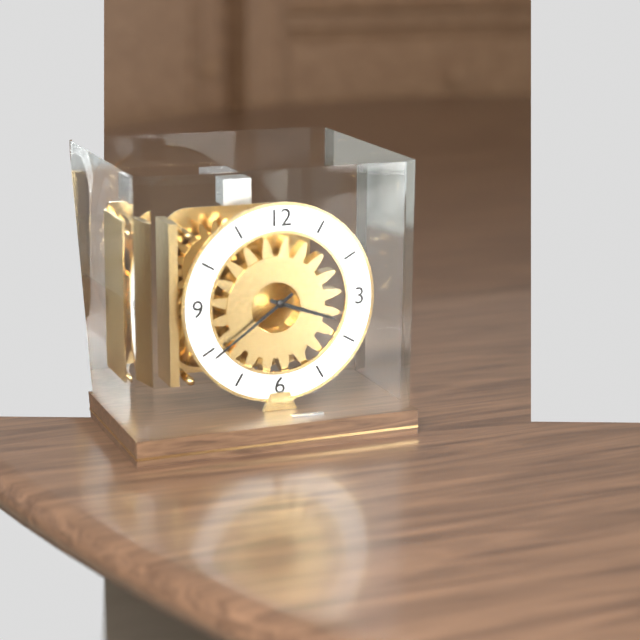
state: 3:39
